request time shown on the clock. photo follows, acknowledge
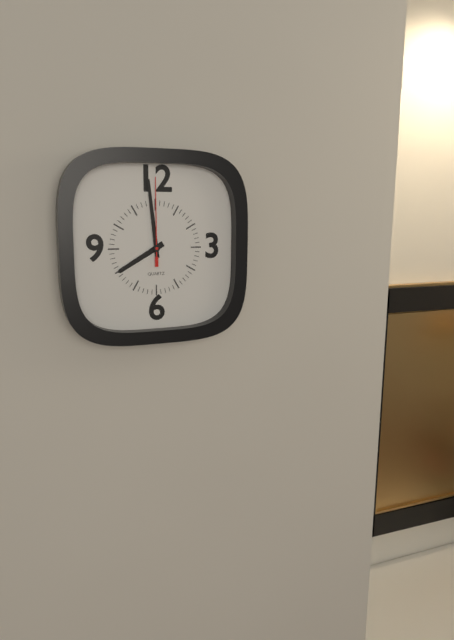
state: 7:59:00
